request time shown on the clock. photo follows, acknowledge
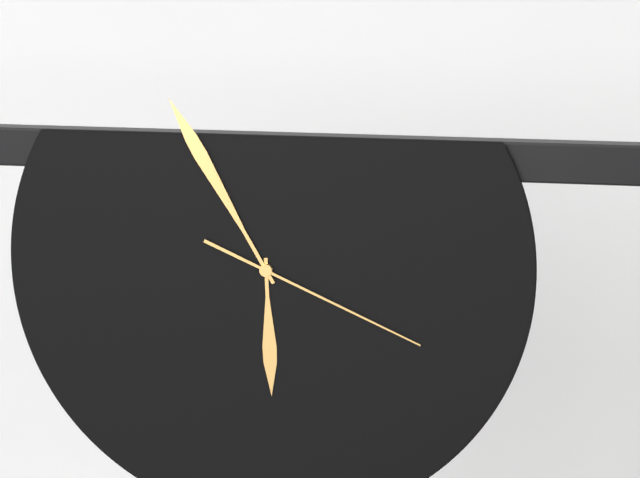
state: 5:55:19
